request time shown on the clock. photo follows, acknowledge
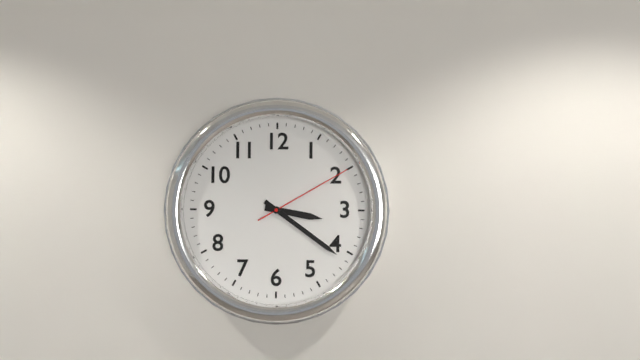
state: 3:21:10
